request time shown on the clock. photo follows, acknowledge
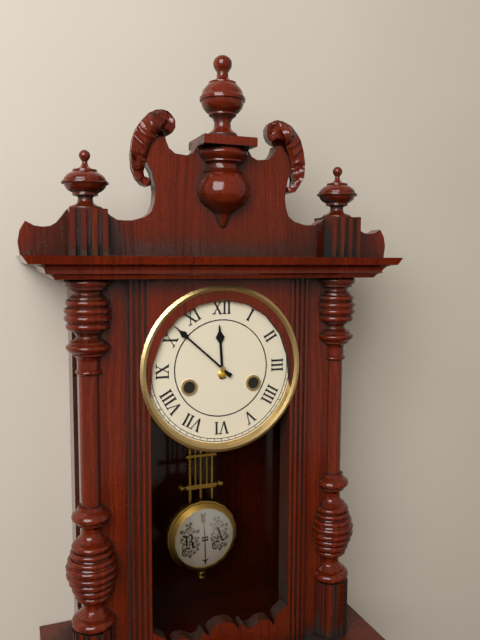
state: 11:52
